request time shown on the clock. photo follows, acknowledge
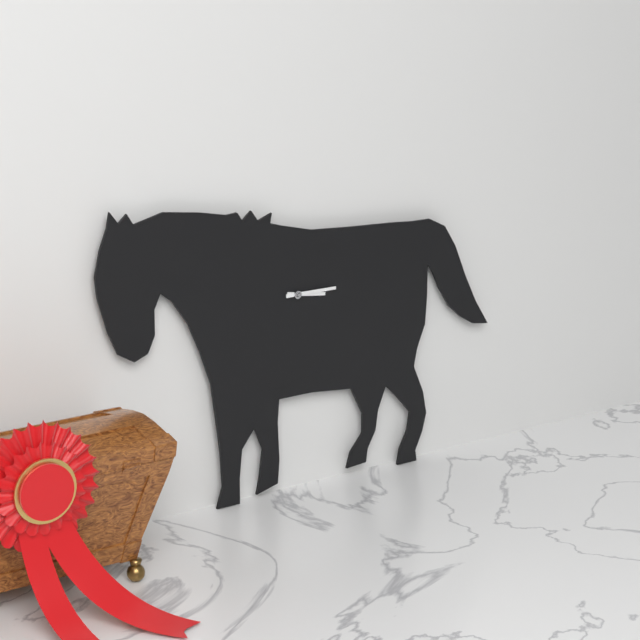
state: 3:15
